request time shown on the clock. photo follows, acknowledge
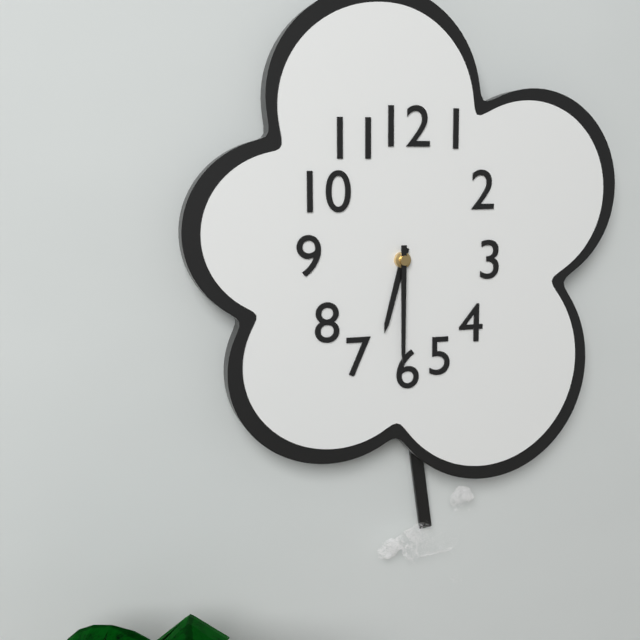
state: 6:30
